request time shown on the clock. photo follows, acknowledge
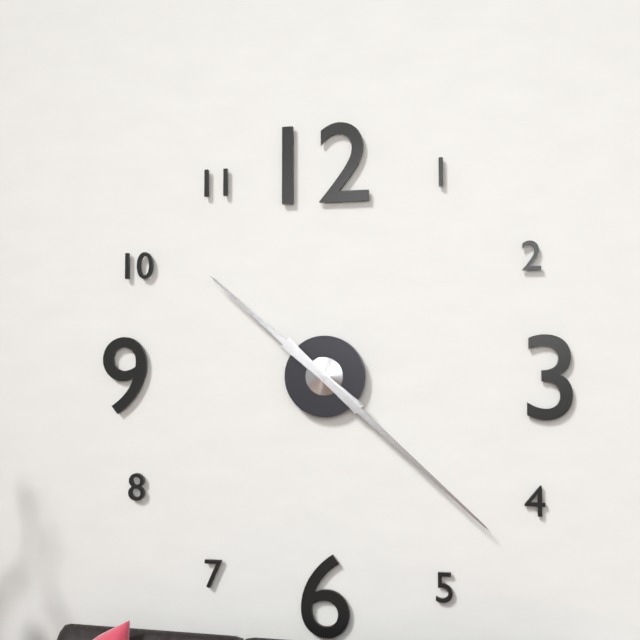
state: 10:22
